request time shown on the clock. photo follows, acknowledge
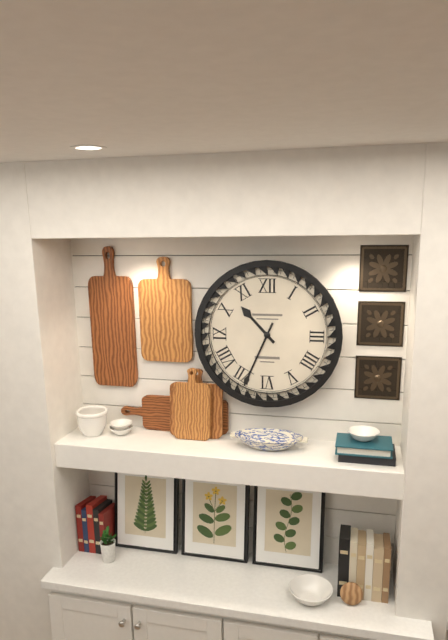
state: 10:34
